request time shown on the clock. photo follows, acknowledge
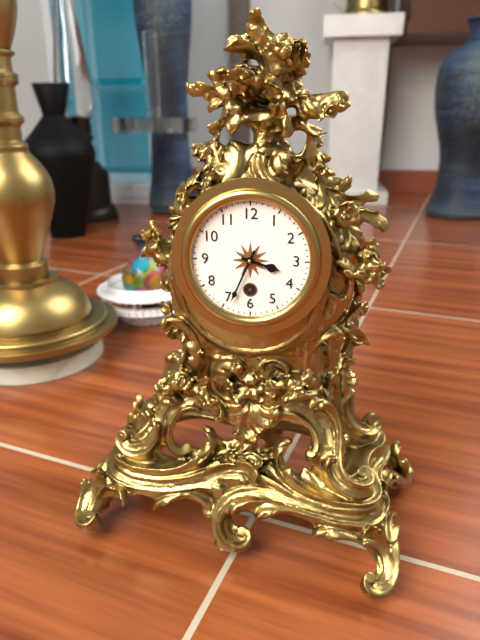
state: 3:34
